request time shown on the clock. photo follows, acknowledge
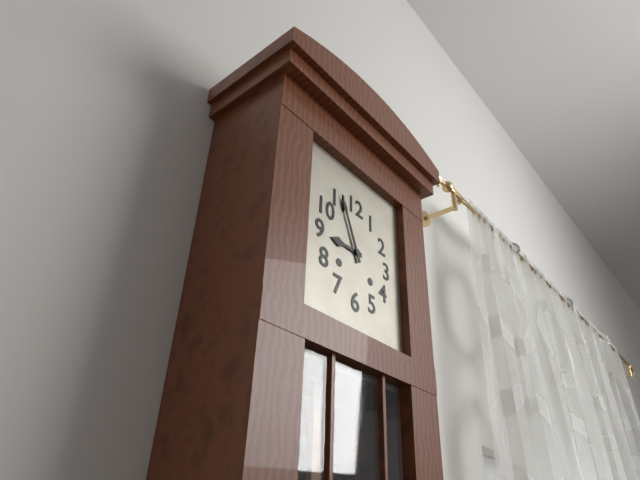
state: 8:56
